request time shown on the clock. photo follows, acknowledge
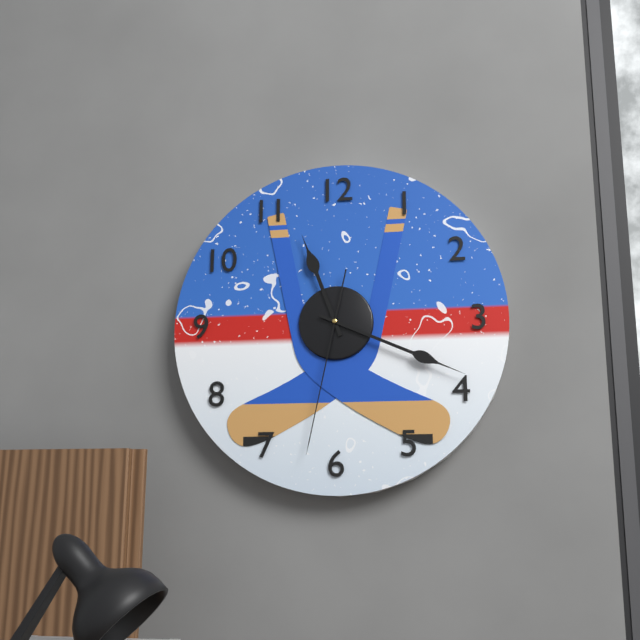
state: 11:19:32
